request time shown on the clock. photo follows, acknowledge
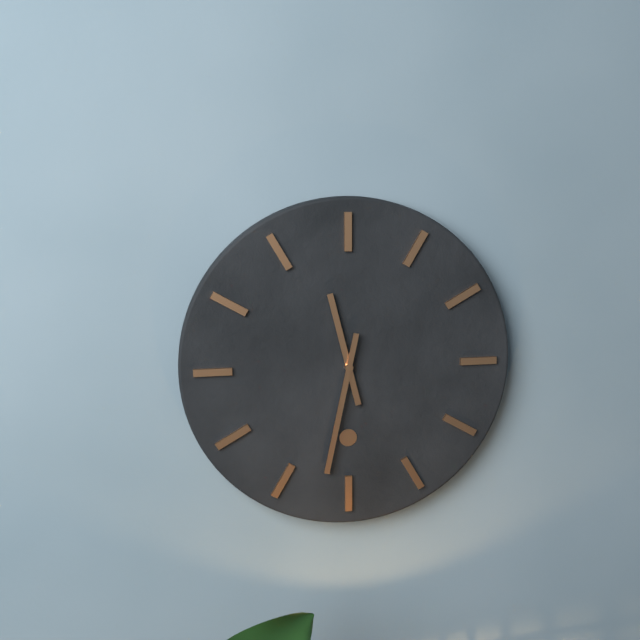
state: 11:32
